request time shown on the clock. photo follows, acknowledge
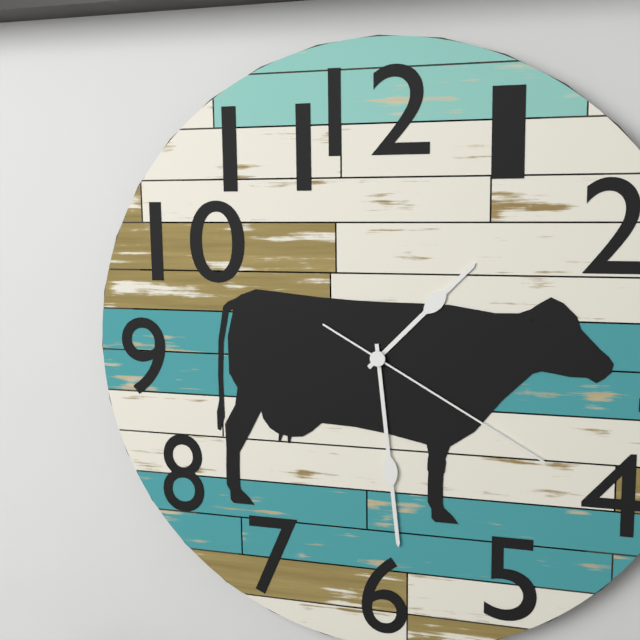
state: 1:29:20
